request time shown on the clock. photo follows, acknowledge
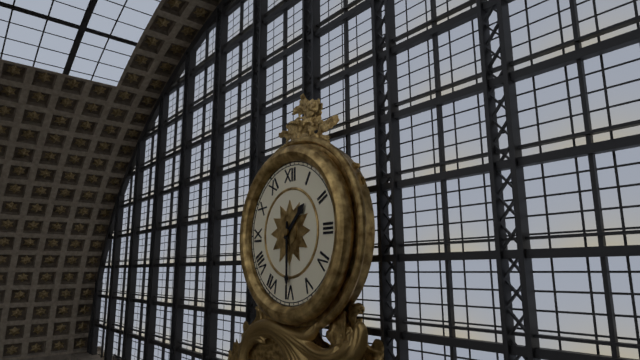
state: 1:30
